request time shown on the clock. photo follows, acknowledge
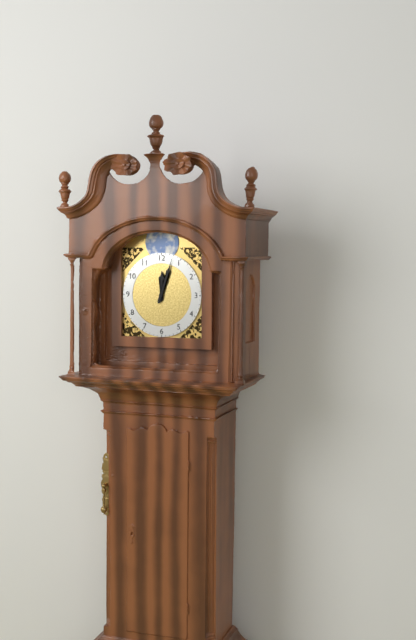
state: 12:03
